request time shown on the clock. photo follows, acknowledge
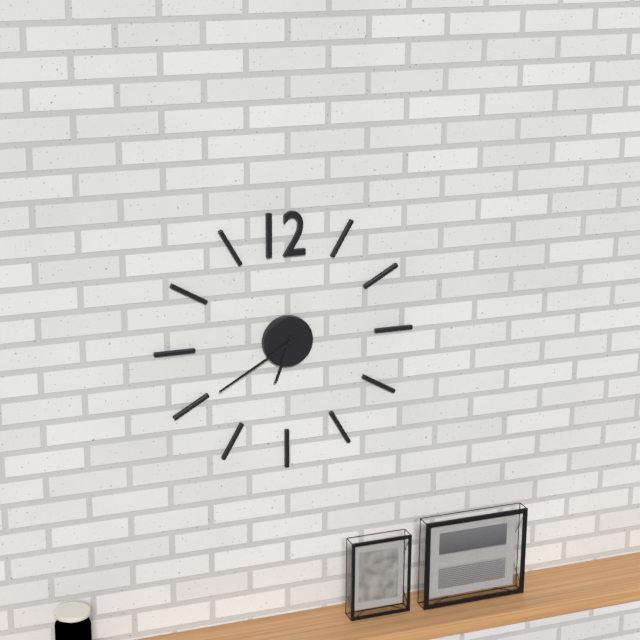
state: 6:40
